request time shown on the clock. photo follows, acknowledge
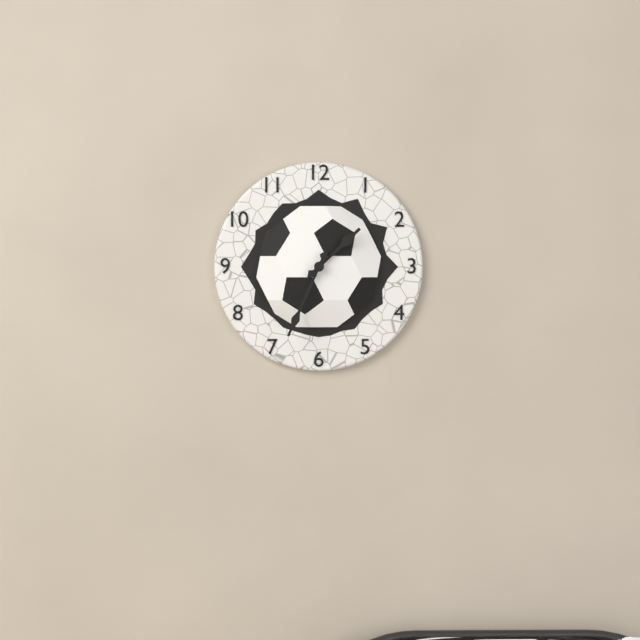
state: 1:34
